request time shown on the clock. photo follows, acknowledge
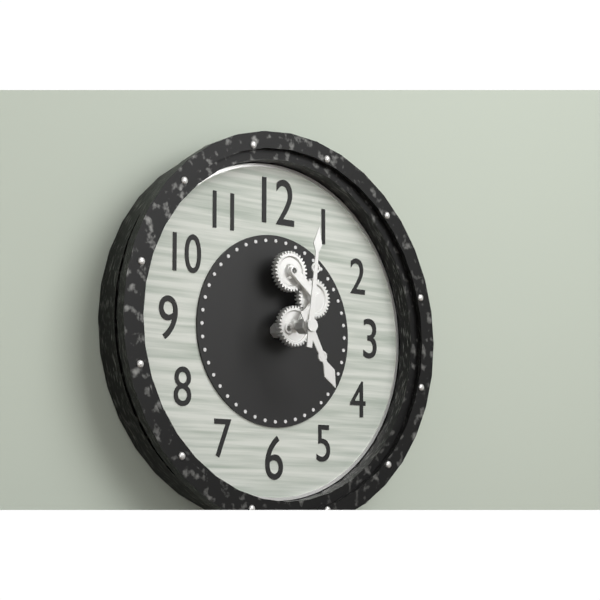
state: 5:01
